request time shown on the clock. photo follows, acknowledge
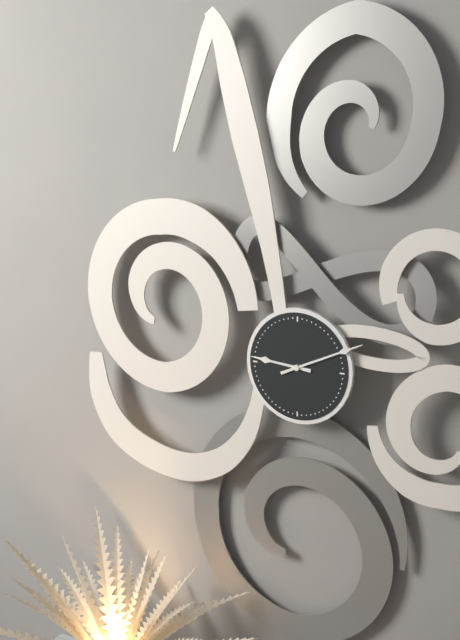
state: 9:11
